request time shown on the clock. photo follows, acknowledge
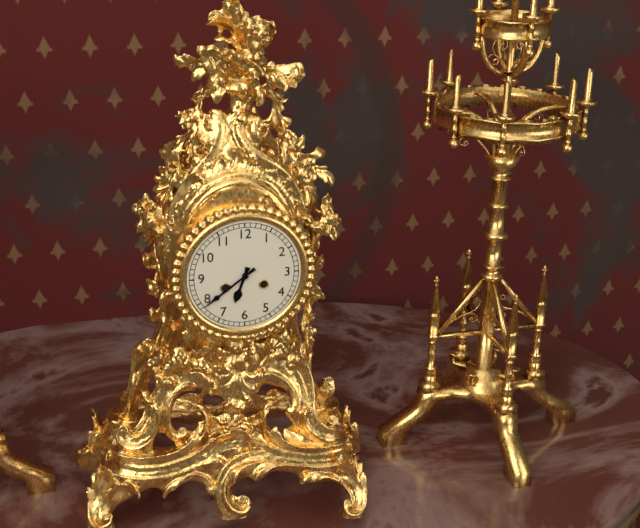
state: 6:39
